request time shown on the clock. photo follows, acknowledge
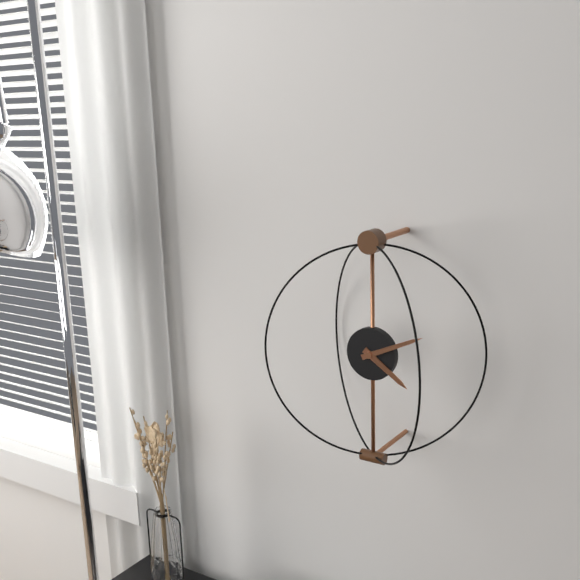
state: 4:11
